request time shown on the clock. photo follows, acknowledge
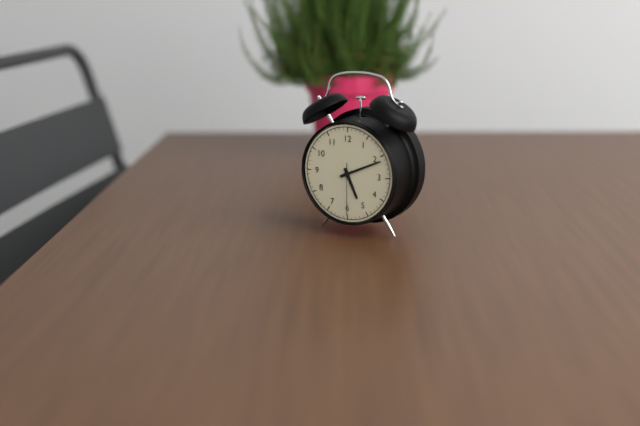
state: 5:11:30
